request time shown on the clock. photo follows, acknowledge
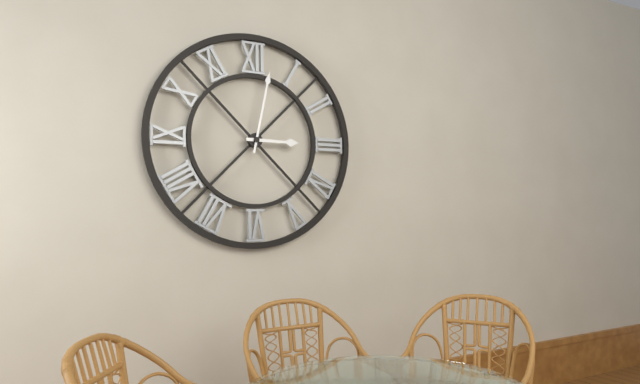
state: 3:02
